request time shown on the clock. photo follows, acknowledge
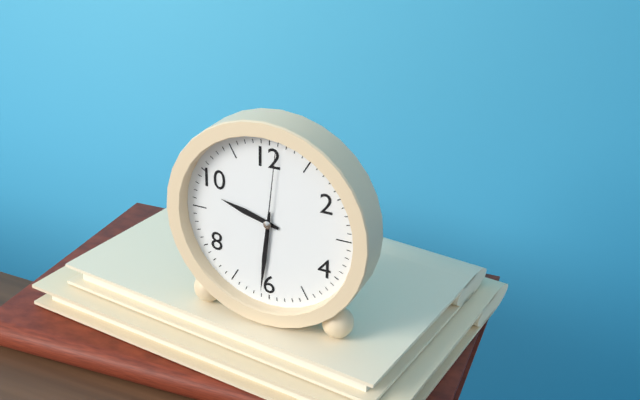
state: 9:31:01
